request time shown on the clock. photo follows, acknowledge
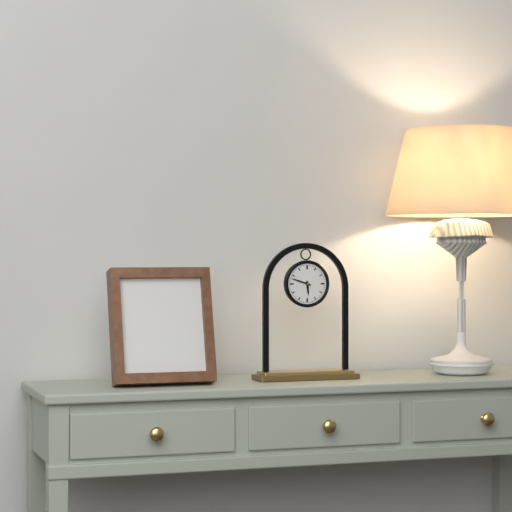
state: 5:48
